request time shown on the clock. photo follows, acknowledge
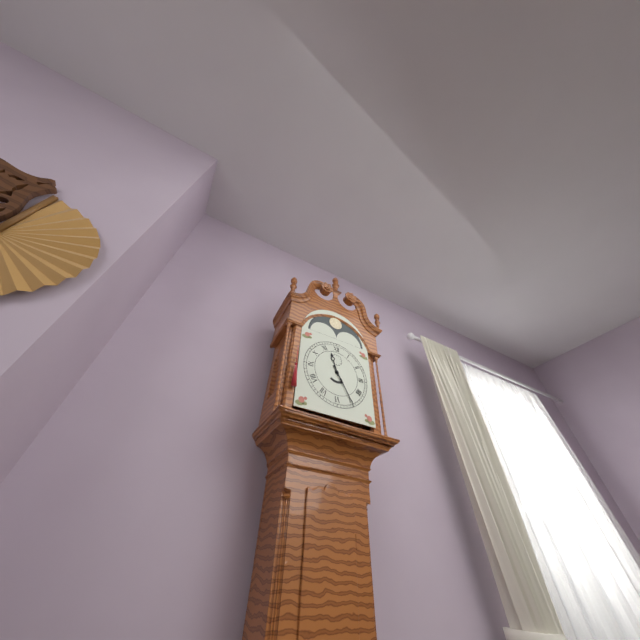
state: 11:25
